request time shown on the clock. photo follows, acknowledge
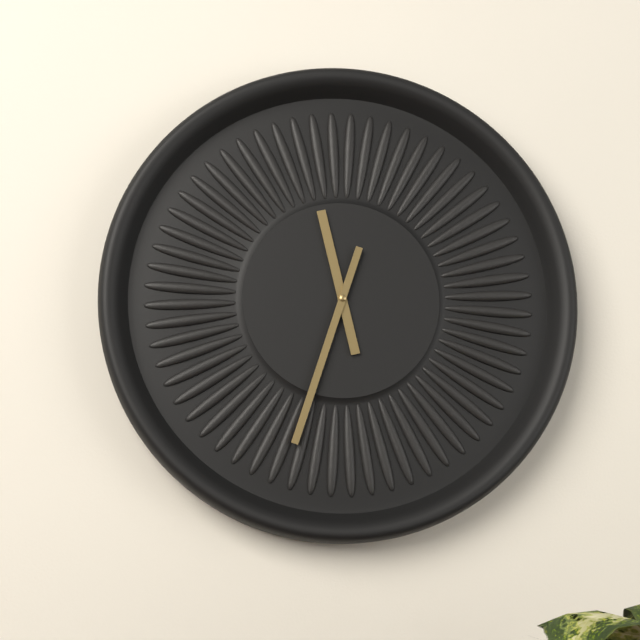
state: 11:33
